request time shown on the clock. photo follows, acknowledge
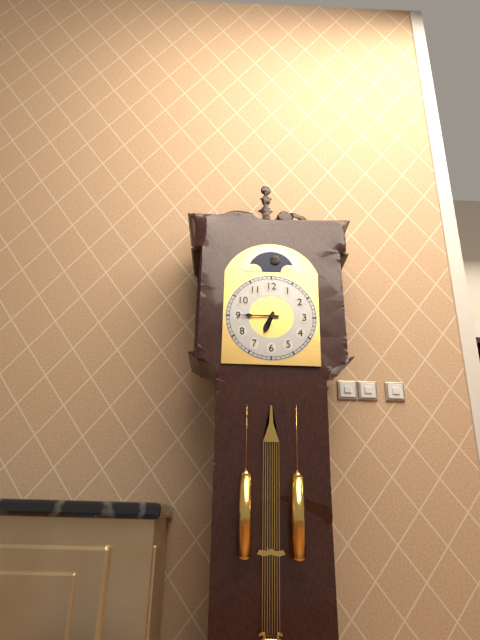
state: 6:45
